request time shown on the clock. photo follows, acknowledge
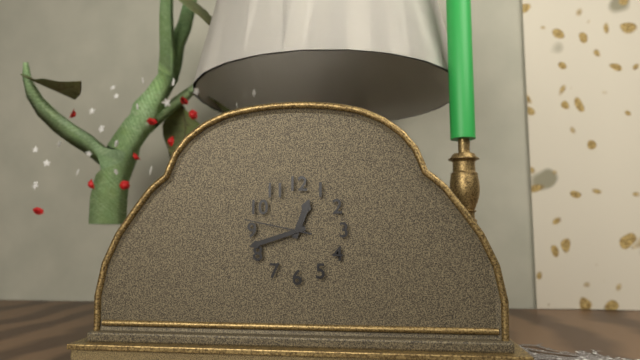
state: 12:42:47
